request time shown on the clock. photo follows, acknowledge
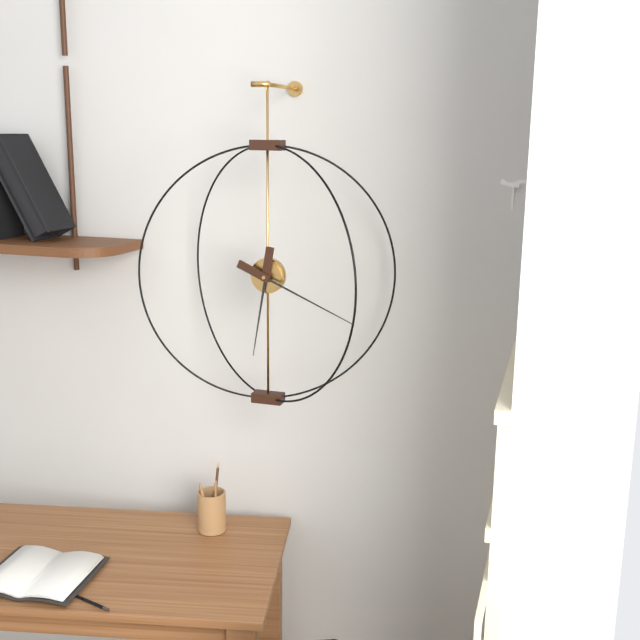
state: 6:19
